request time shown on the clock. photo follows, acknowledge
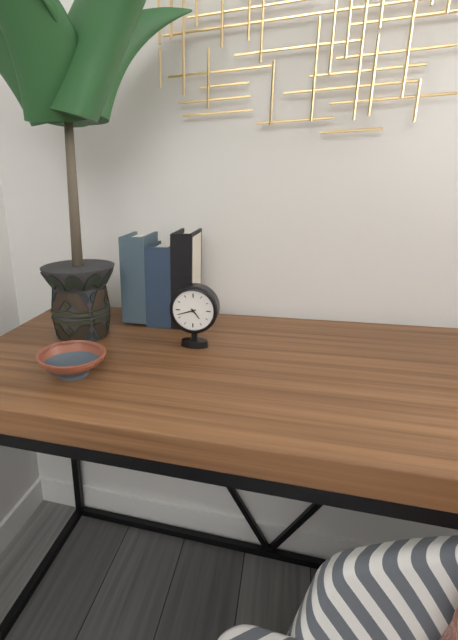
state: 4:42
